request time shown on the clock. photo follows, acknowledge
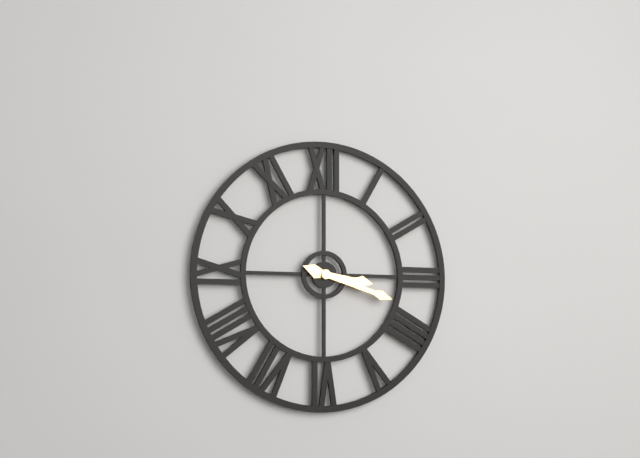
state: 3:18
